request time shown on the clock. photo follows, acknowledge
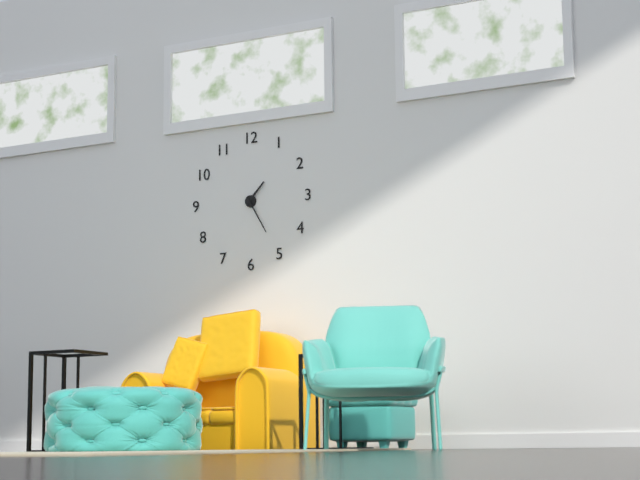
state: 1:25
